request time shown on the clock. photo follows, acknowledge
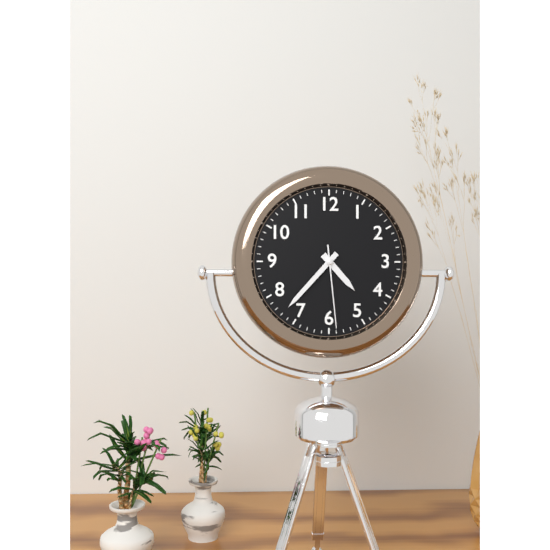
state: 4:37:29
